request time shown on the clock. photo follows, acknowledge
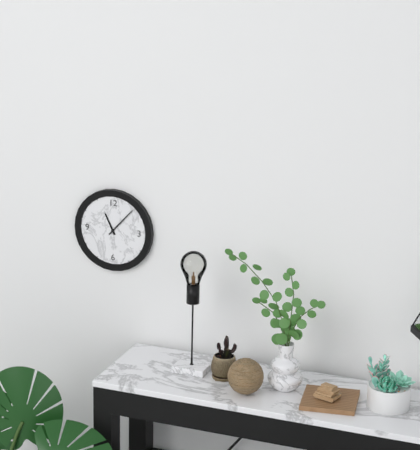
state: 11:07
